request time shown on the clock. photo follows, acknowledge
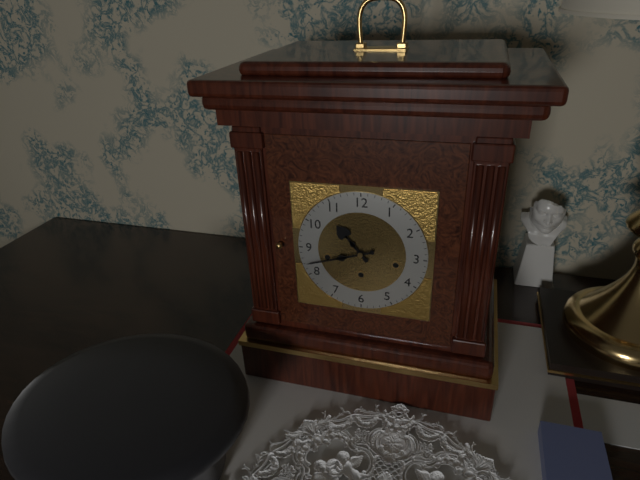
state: 10:42
